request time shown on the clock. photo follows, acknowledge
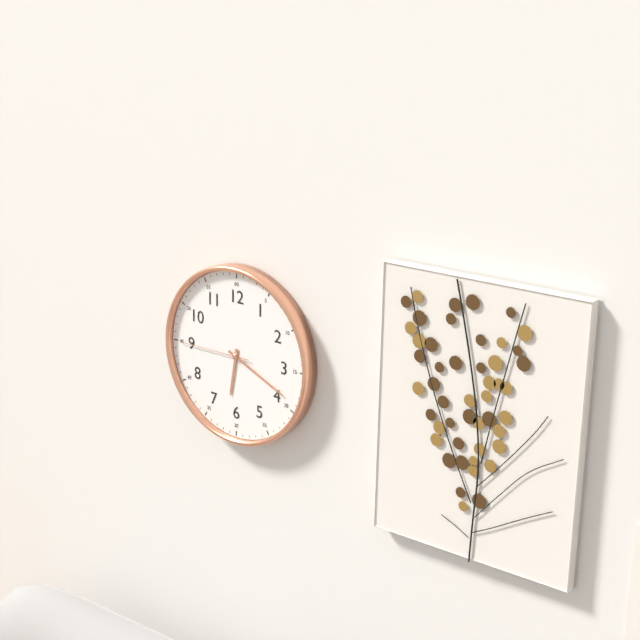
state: 6:19:45
